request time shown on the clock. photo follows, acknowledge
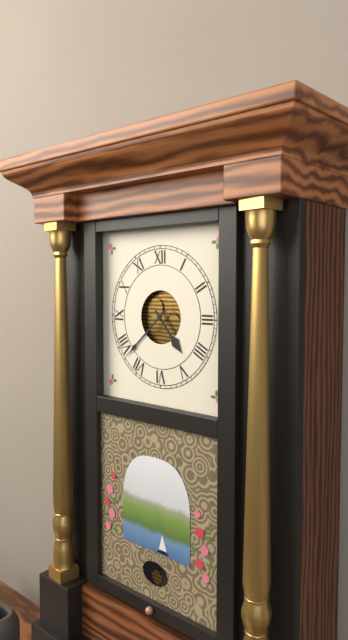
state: 4:38
